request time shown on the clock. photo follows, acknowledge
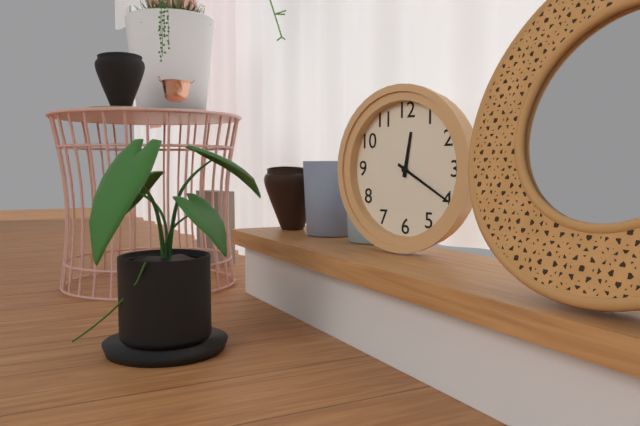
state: 12:20
